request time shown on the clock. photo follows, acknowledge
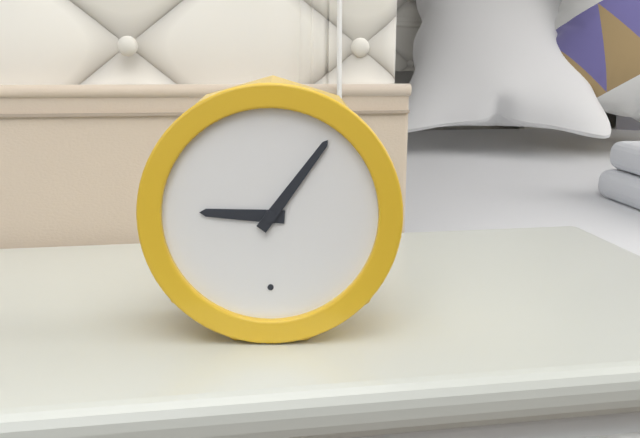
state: 9:06
